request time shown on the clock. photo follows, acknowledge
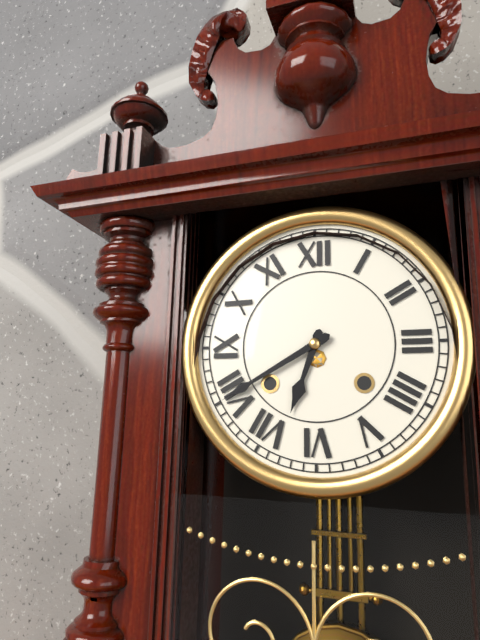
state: 6:40
